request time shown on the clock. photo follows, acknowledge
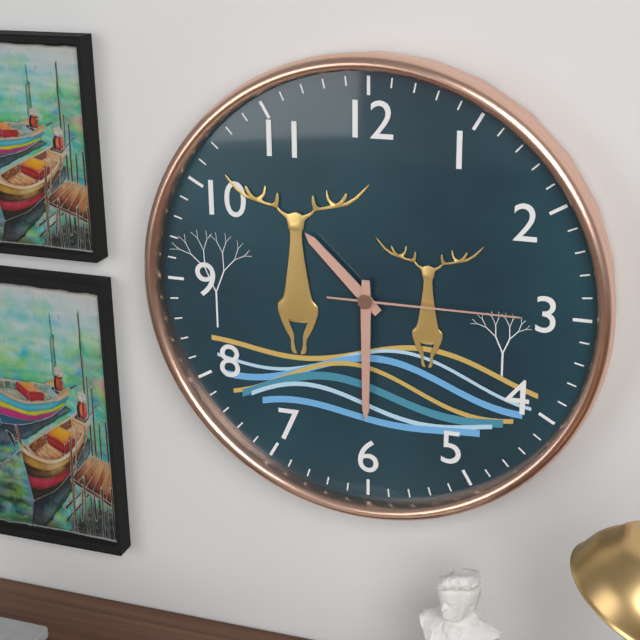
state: 10:30:15
